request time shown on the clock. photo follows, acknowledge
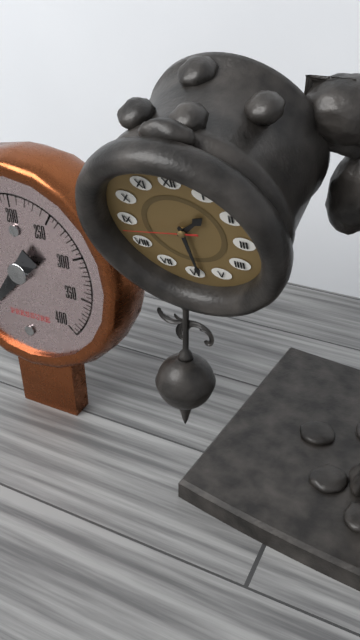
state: 1:29:43
